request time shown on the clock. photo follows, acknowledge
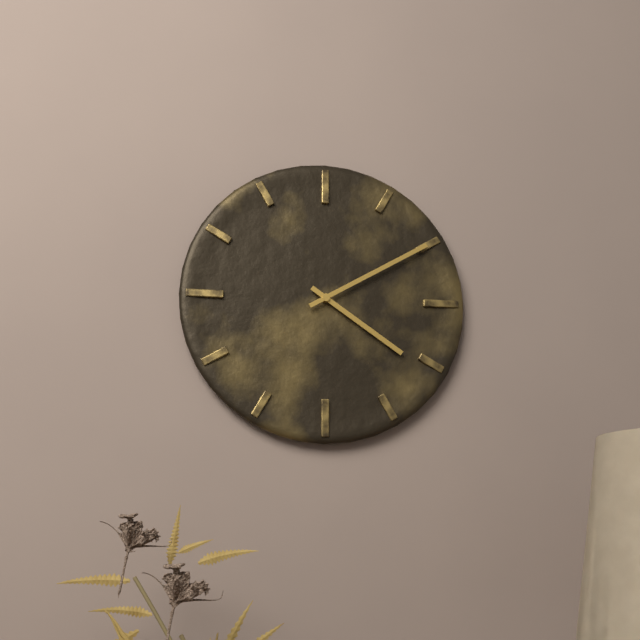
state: 4:10
